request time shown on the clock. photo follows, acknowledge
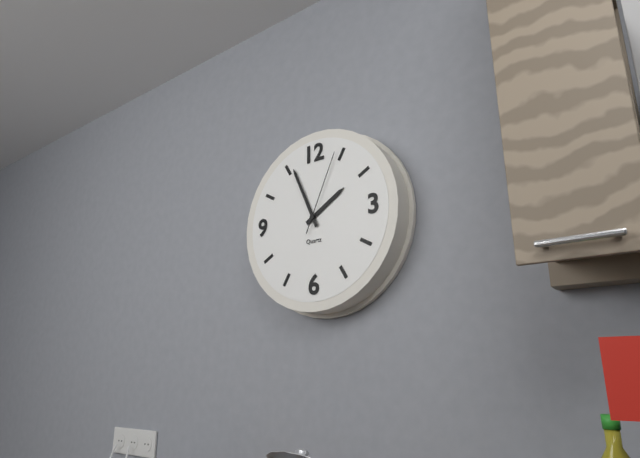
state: 1:56:04
